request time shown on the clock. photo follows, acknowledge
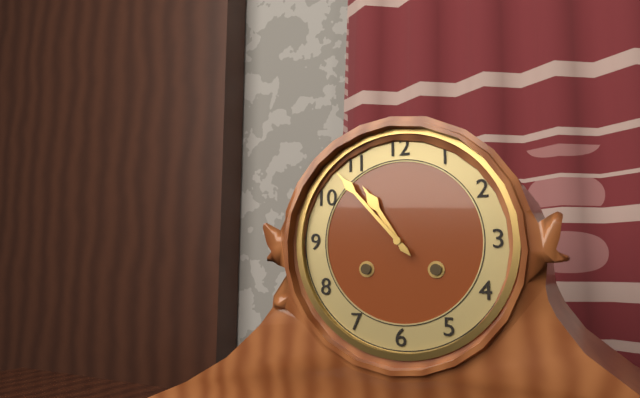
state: 10:53
